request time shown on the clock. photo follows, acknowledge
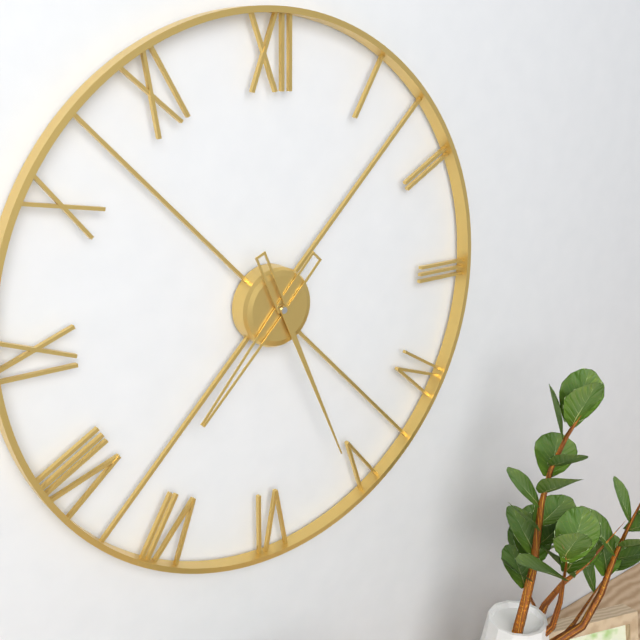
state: 7:26
